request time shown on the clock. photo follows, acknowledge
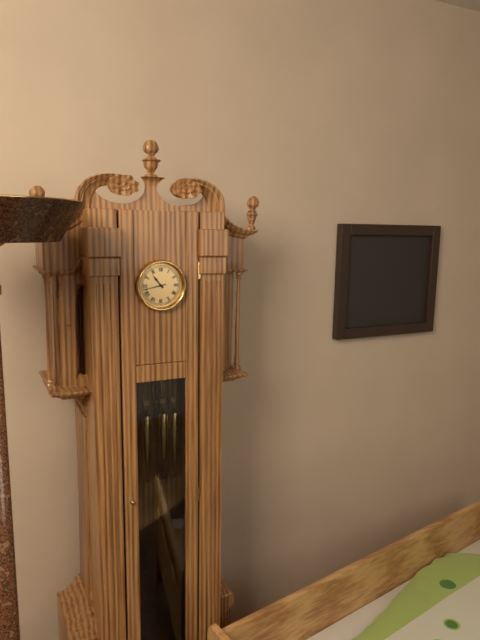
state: 10:43
